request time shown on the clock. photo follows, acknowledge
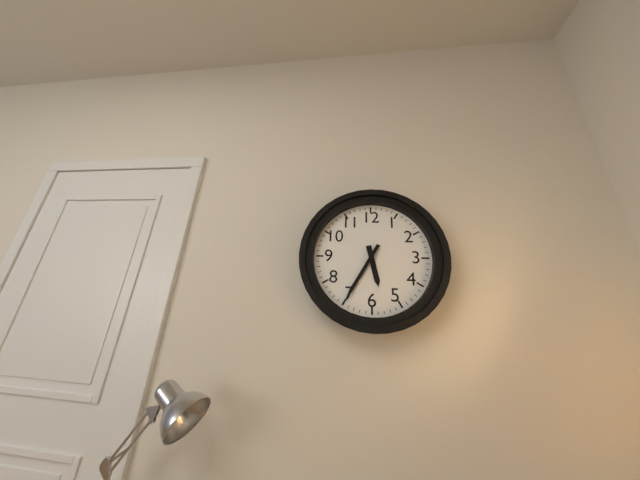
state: 5:35
